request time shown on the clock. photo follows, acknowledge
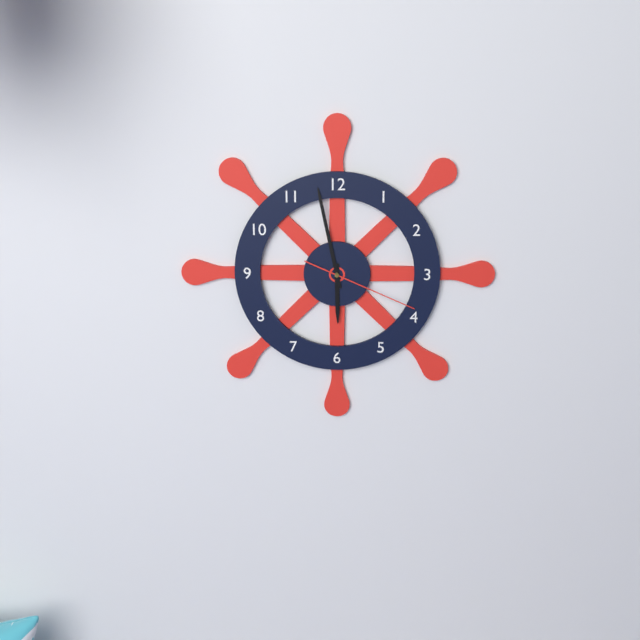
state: 5:58:19
